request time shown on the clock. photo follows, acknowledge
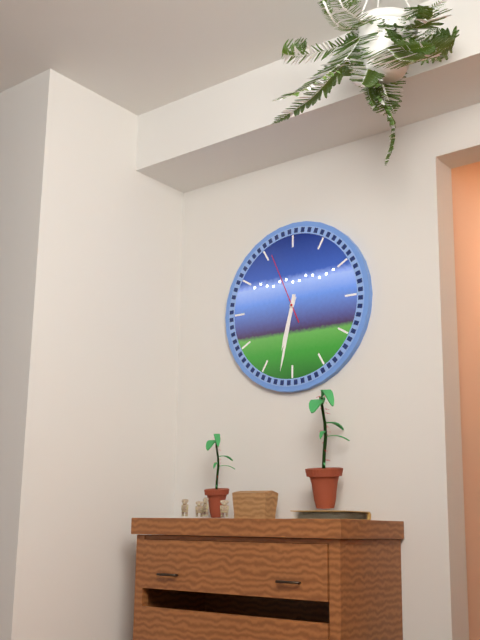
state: 6:32:56
